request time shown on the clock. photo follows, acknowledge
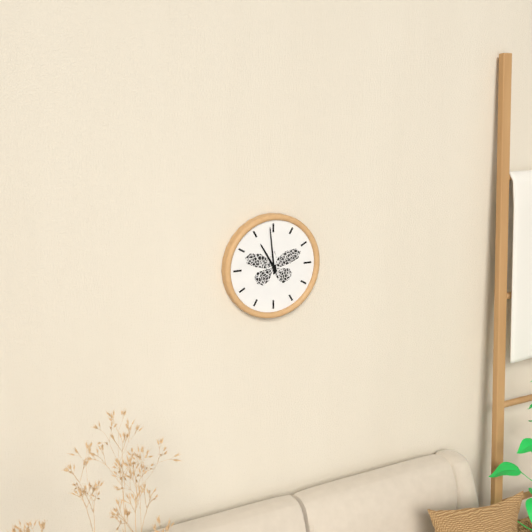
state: 10:59
